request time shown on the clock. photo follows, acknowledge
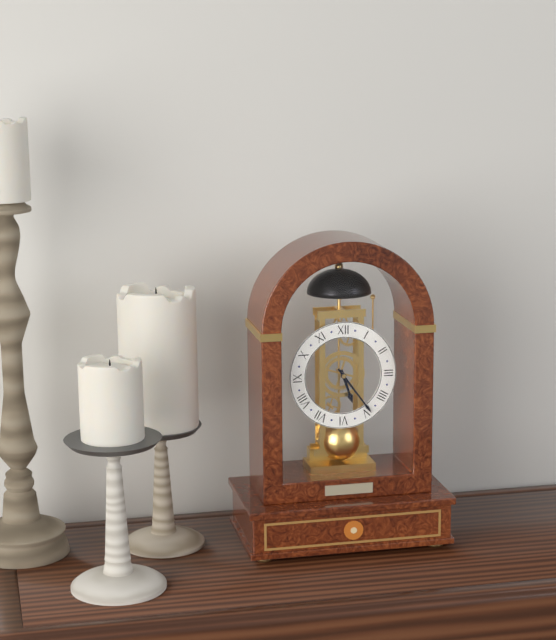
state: 5:24
